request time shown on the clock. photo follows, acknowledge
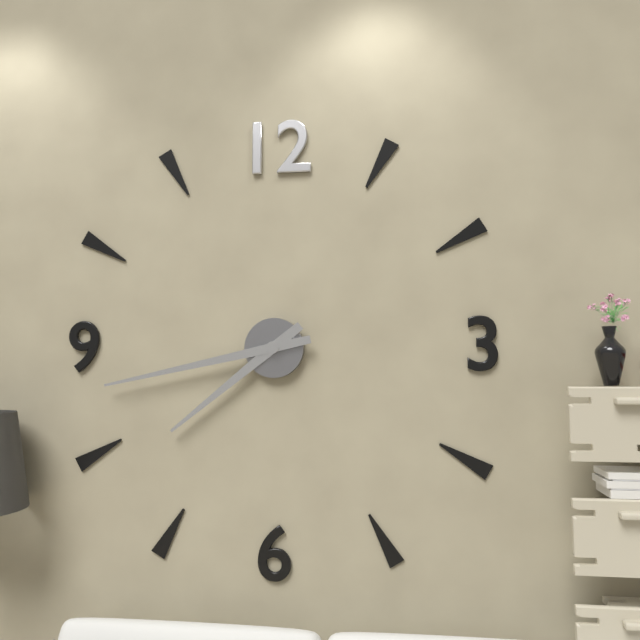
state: 7:43
